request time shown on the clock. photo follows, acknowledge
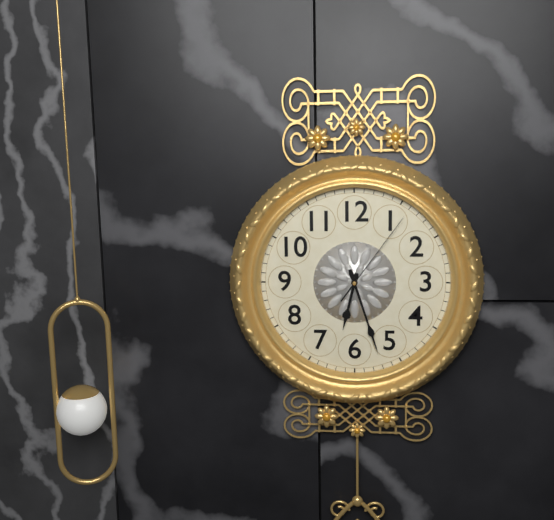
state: 6:27:06
